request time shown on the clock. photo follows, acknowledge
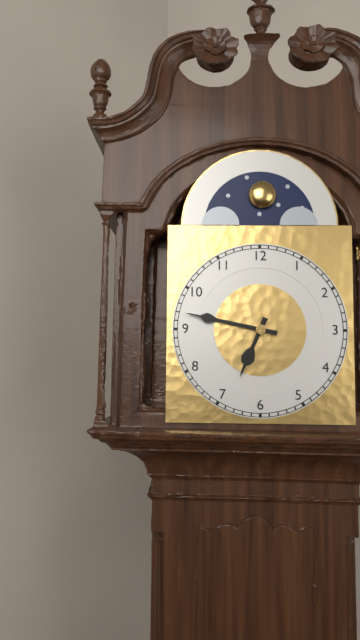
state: 6:47
